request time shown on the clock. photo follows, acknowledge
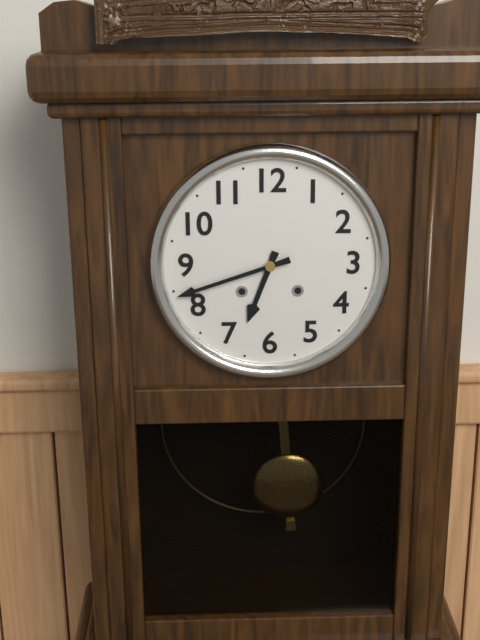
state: 6:42
